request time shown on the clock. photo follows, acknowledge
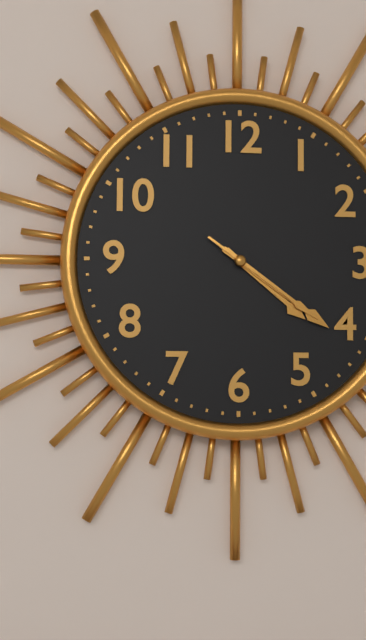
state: 4:21:21
